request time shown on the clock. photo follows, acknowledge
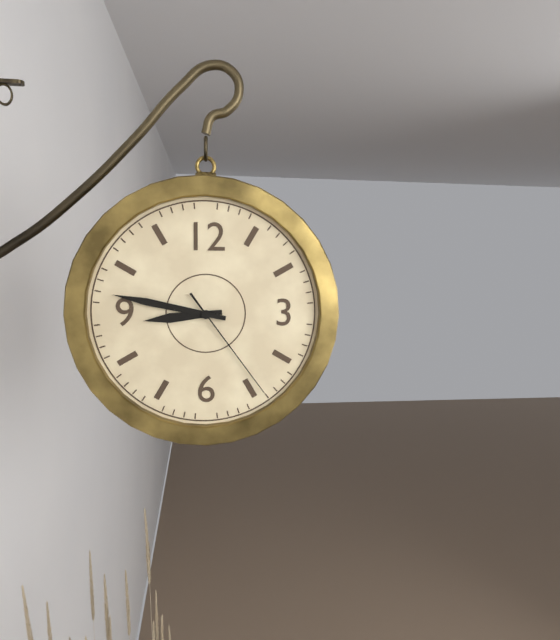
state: 8:47:24
